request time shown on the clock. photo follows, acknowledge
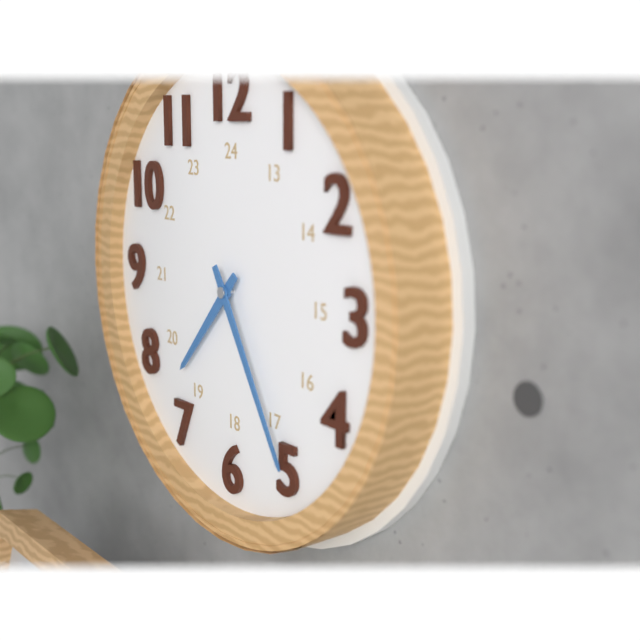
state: 7:25
